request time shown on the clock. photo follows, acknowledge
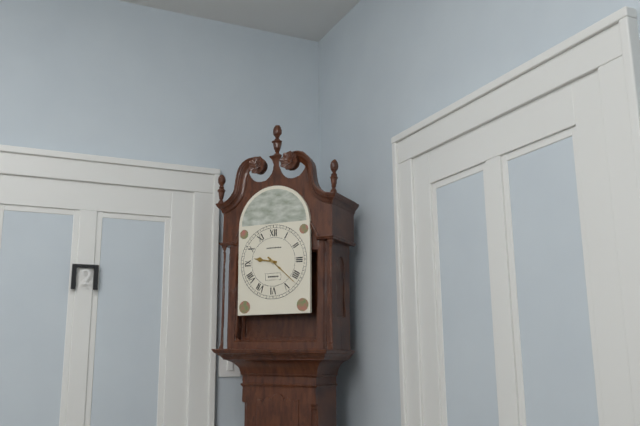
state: 9:22
